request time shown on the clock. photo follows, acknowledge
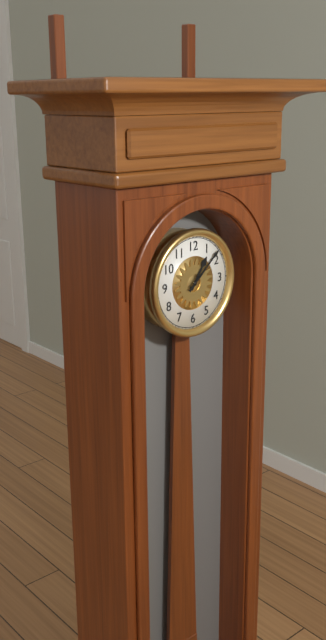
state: 1:08
